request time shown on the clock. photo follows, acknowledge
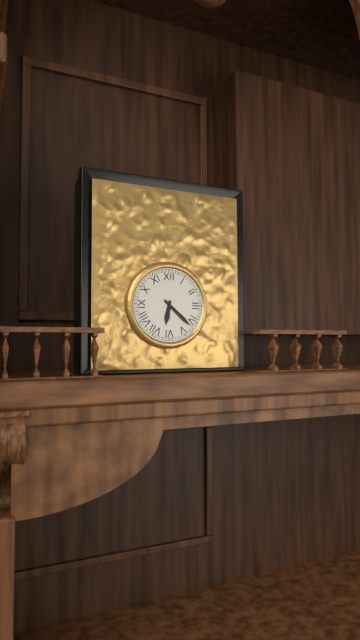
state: 6:22
